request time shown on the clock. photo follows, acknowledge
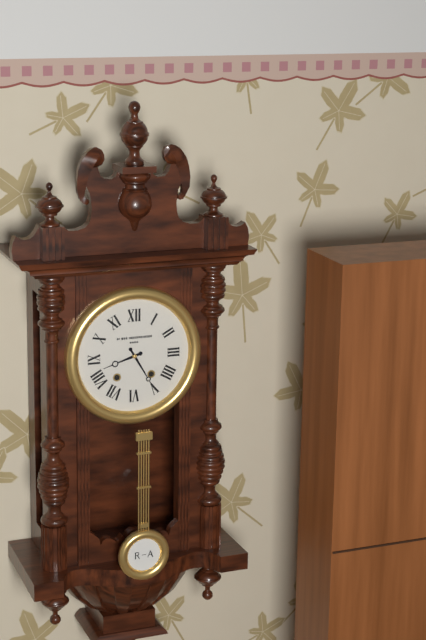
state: 8:25
